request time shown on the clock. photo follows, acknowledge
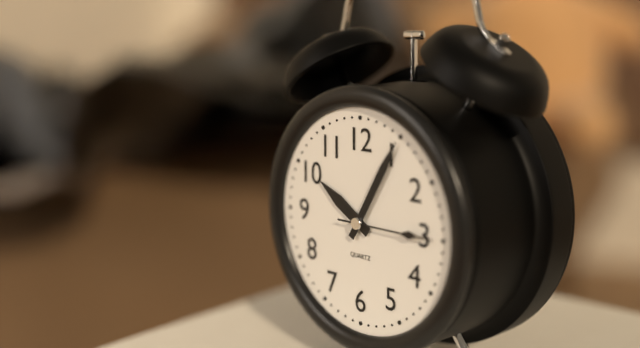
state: 10:05:15
